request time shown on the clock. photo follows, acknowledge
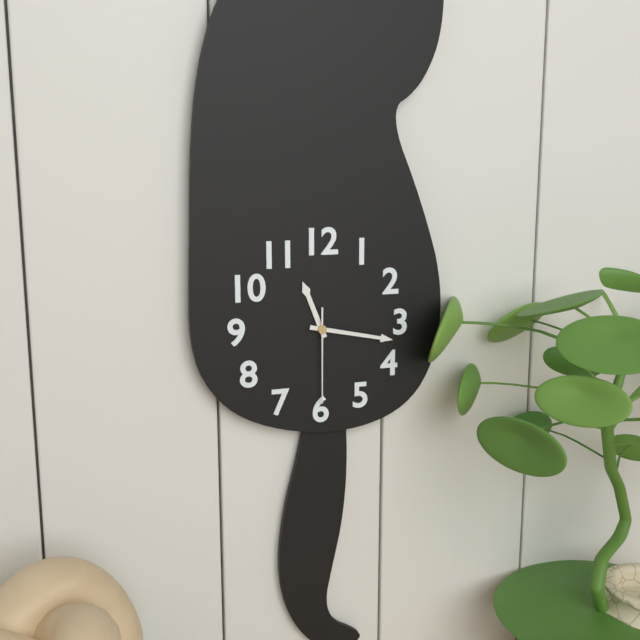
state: 11:17:30
